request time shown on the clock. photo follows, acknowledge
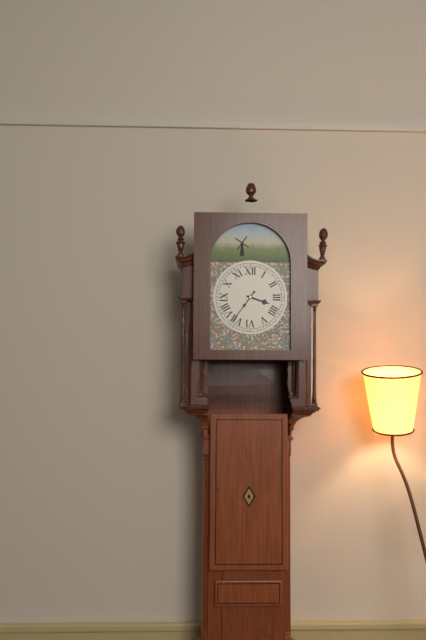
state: 3:36
